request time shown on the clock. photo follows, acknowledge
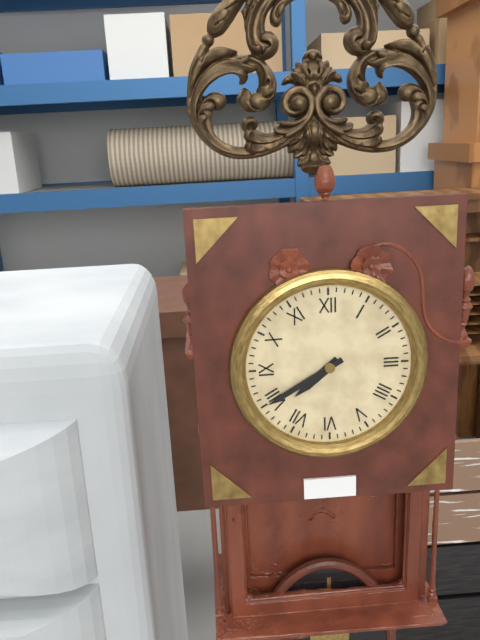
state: 7:40
